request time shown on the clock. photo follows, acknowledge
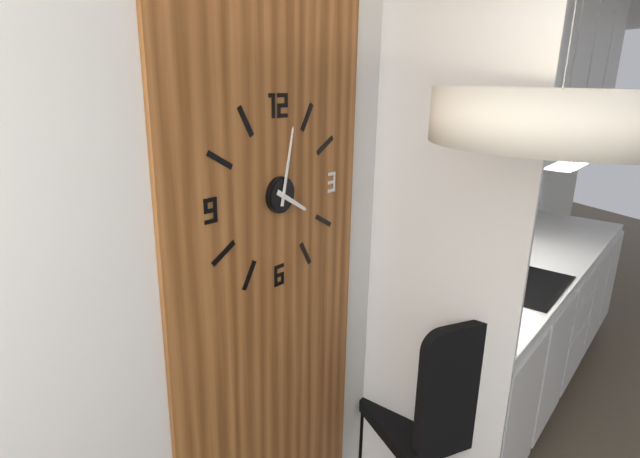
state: 4:02
